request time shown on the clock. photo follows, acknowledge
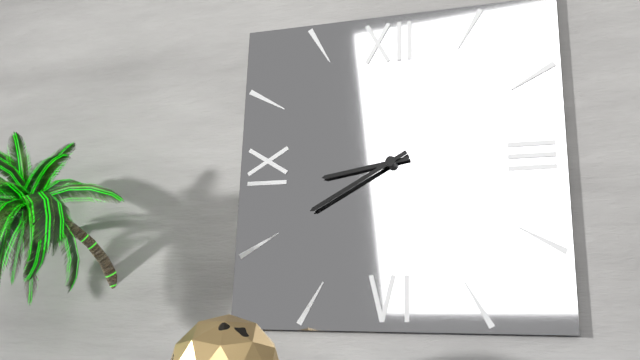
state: 8:40
